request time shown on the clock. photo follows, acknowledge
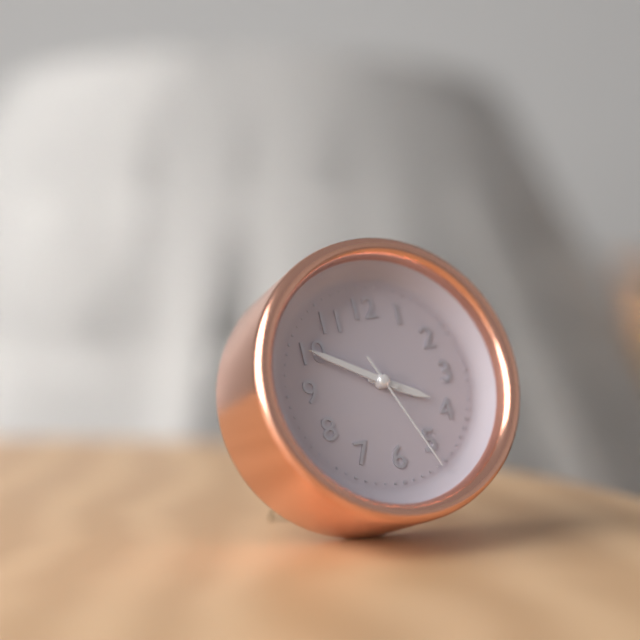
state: 3:50:26
